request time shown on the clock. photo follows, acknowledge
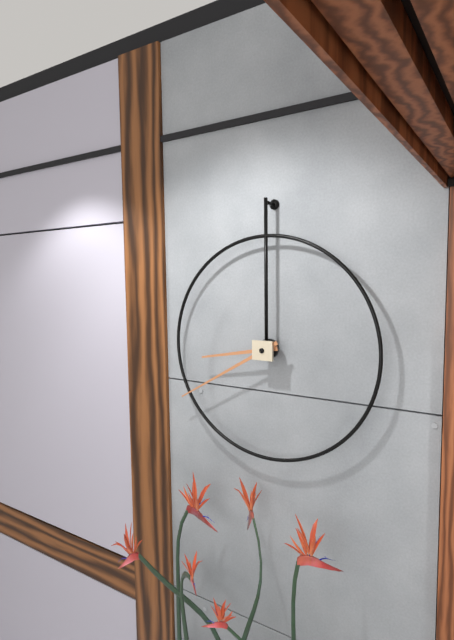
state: 8:40
